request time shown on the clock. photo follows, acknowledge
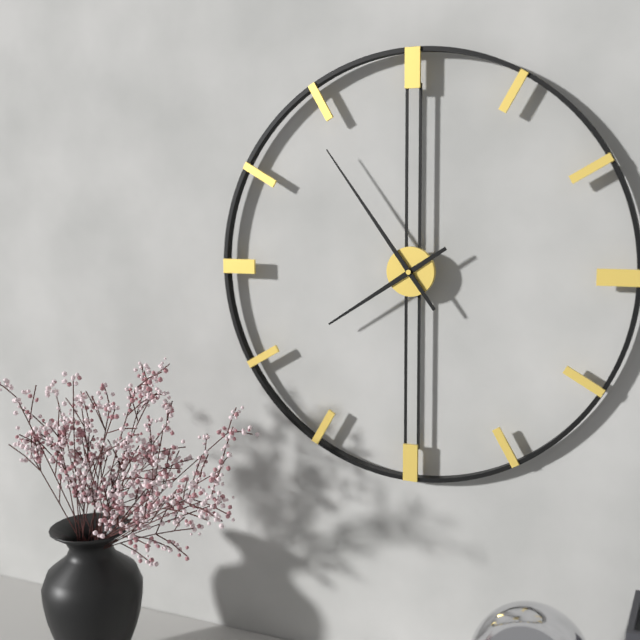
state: 7:54
